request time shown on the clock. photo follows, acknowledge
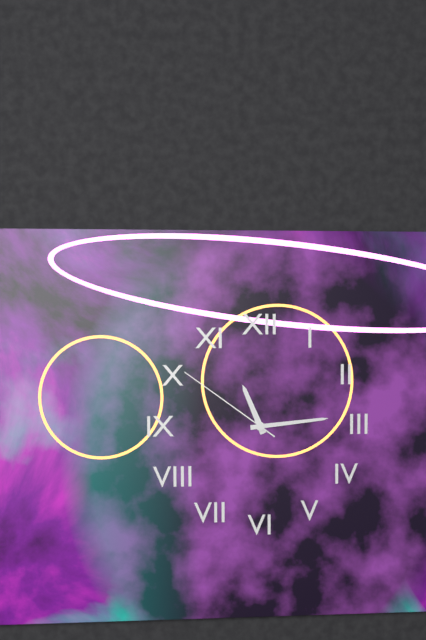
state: 11:14:51
